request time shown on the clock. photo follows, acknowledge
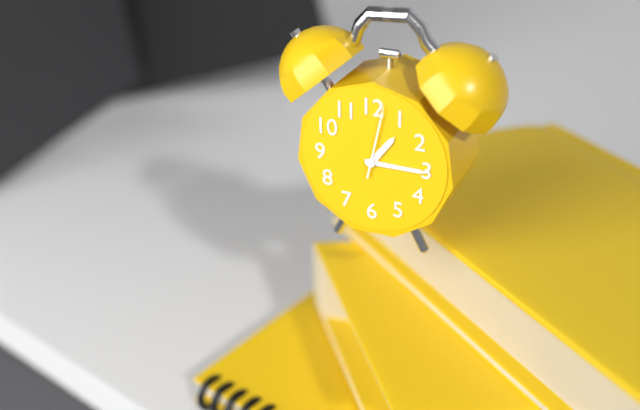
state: 1:15:02
